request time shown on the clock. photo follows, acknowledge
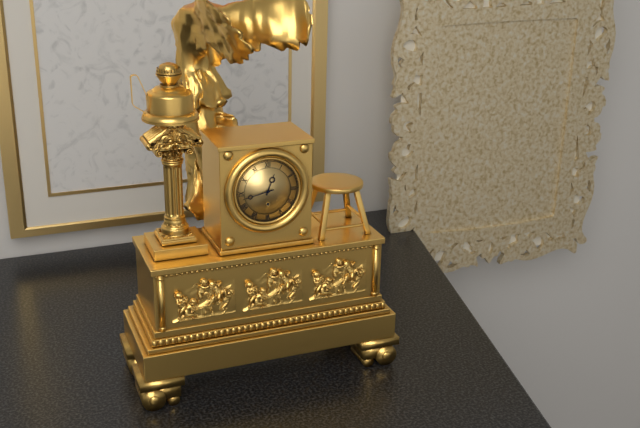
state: 12:43
